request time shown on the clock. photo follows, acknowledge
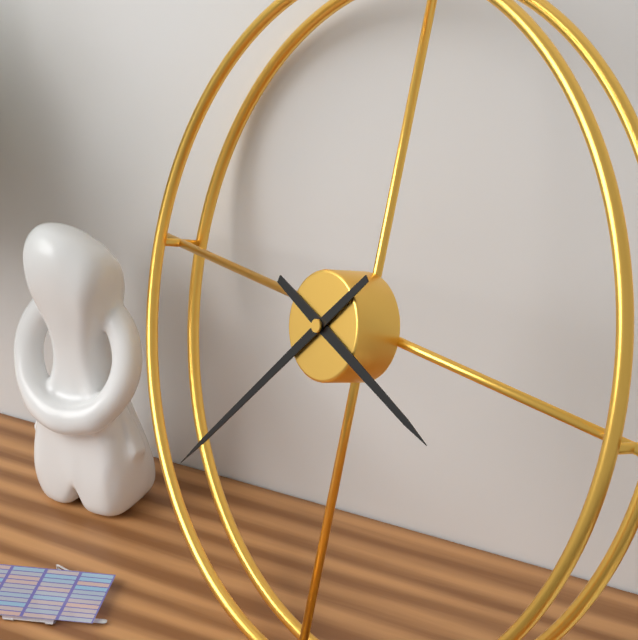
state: 3:37
